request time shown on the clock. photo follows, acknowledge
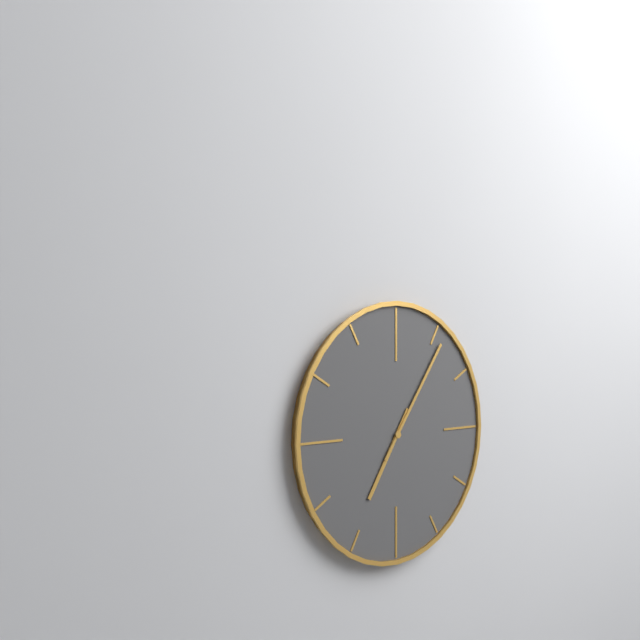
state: 7:06
